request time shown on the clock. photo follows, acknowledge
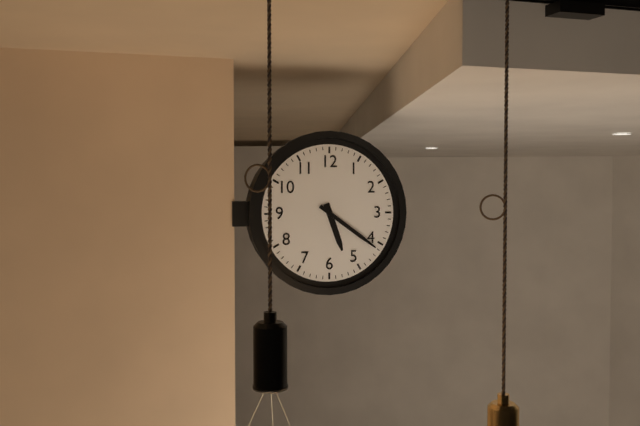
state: 5:21
